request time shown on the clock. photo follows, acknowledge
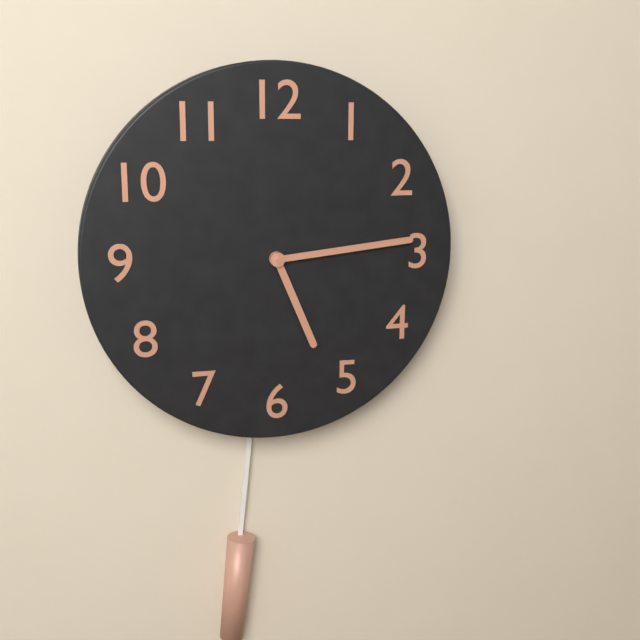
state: 5:14
